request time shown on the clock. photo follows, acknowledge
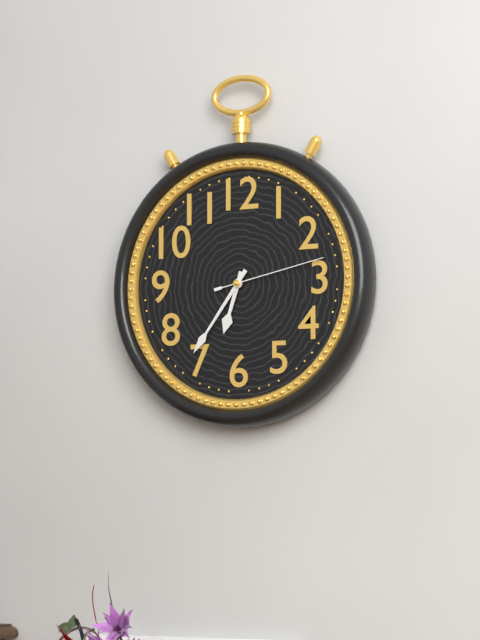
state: 6:36:13
